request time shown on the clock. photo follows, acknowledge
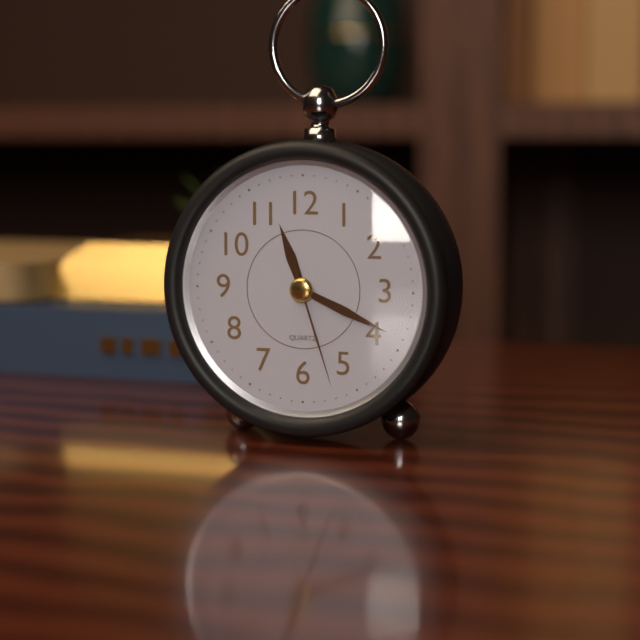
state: 11:19:27
